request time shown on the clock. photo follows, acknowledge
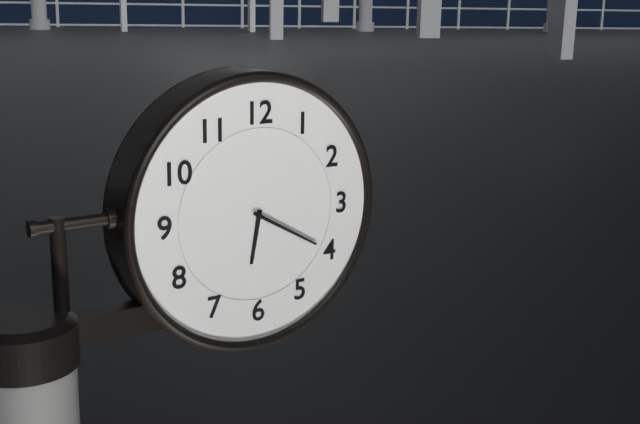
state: 6:20
